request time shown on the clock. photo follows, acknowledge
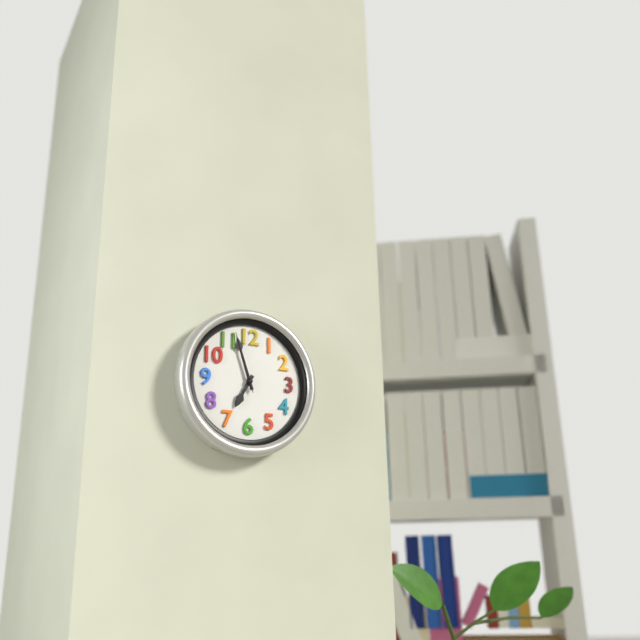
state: 6:57:57
